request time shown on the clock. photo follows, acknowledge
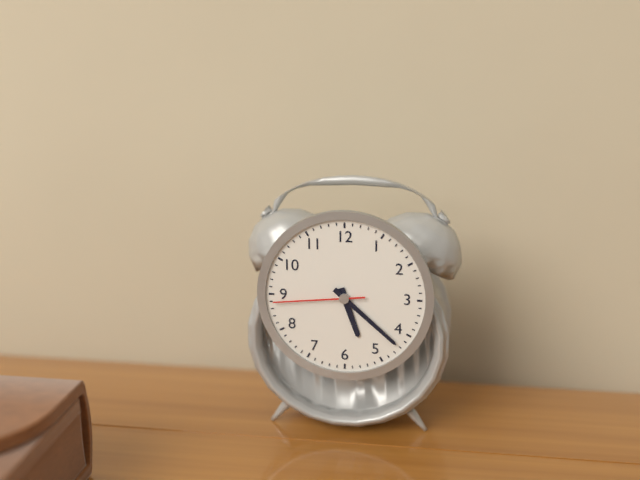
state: 5:22:44
